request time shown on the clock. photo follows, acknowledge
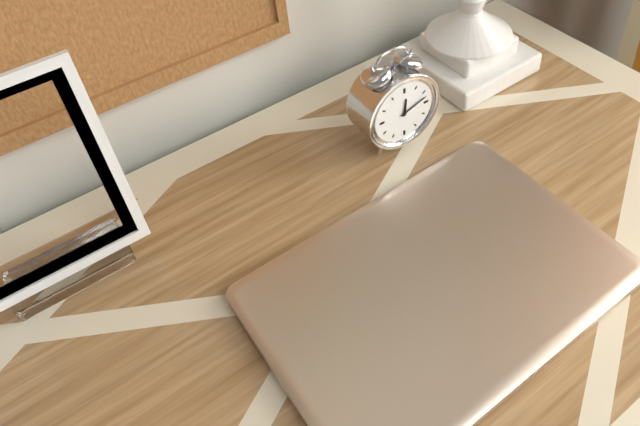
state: 12:12
